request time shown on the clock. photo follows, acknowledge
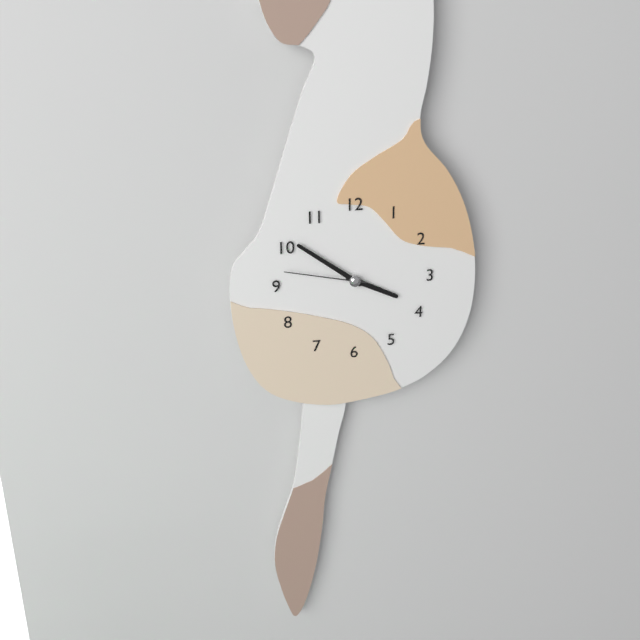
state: 3:51:47
